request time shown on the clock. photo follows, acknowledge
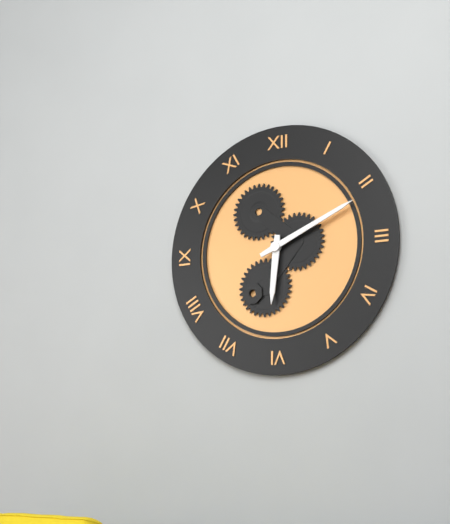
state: 6:11
